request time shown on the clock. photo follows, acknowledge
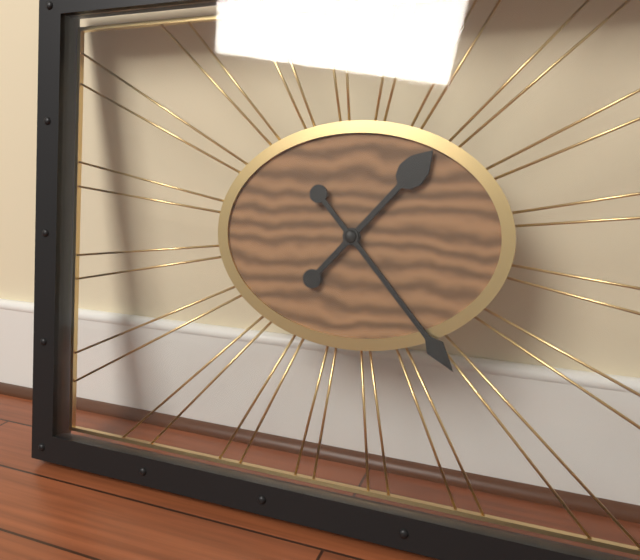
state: 1:23
